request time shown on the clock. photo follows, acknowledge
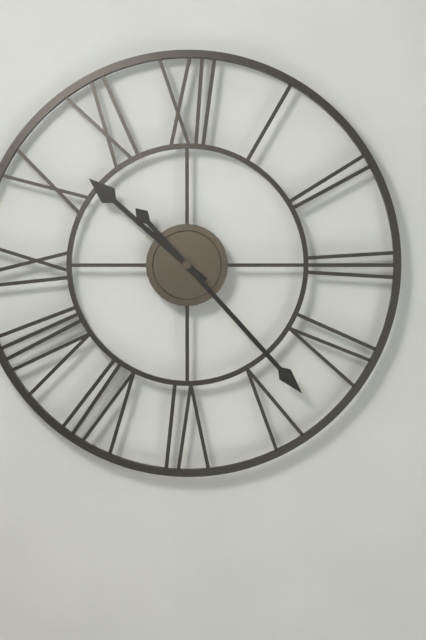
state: 10:23
